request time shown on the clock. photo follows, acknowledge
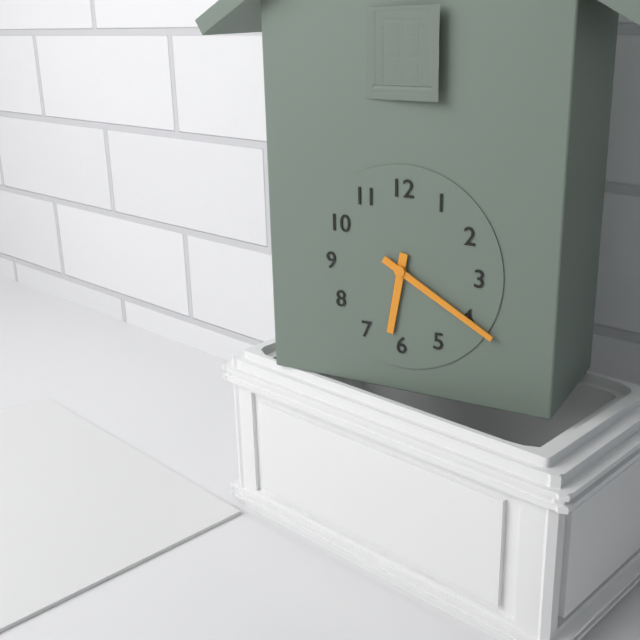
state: 6:20
